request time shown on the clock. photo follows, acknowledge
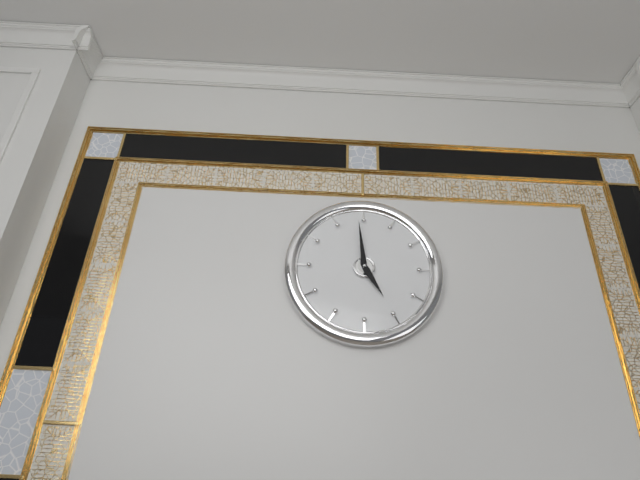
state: 4:59
